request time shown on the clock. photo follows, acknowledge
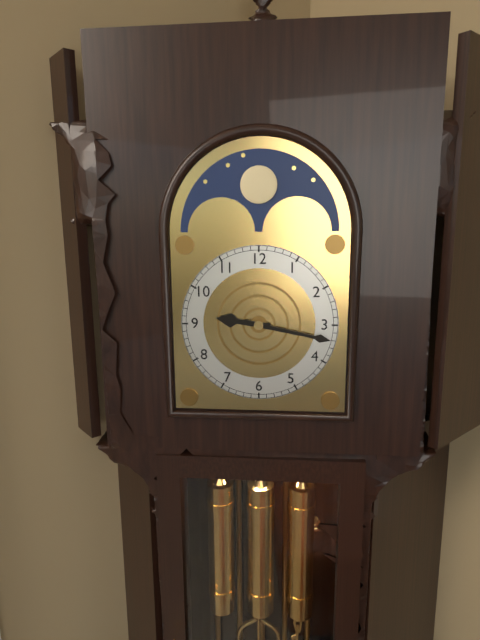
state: 9:17
